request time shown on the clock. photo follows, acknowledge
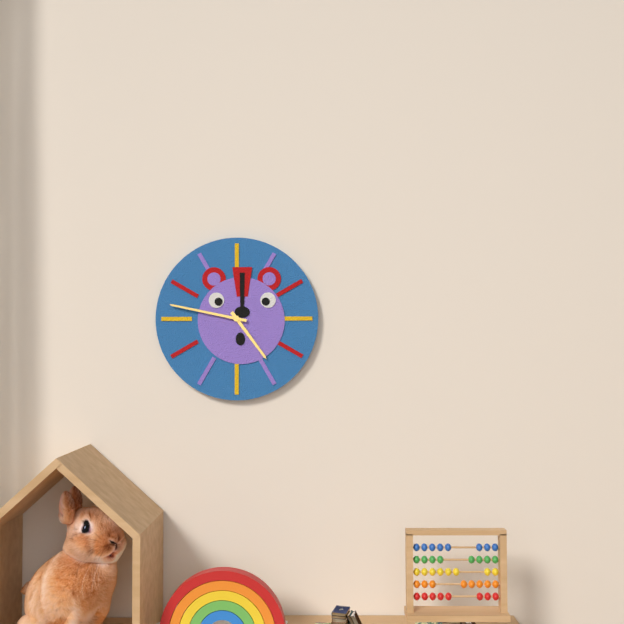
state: 4:47
